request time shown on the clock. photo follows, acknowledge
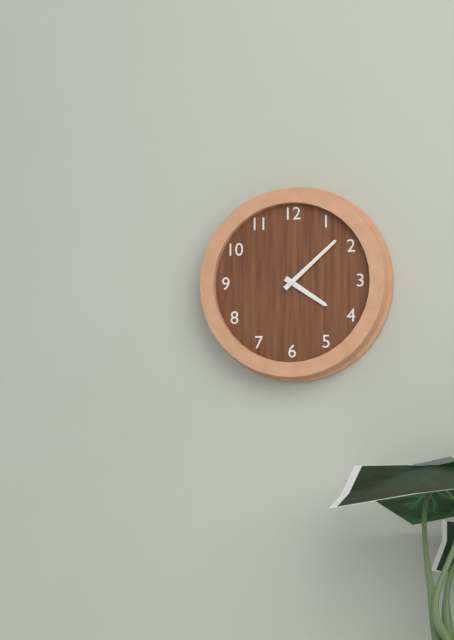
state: 4:08
